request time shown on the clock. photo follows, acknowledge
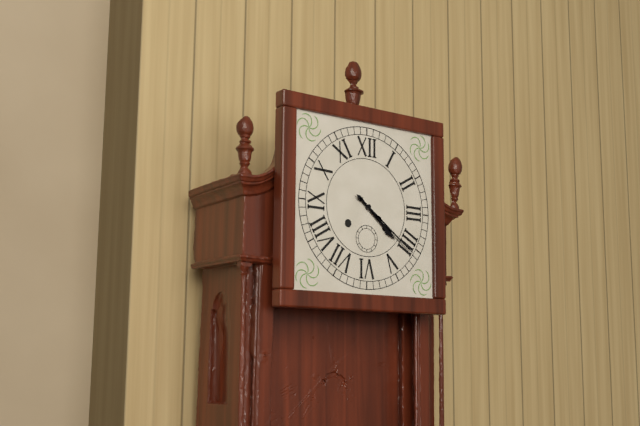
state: 4:21
